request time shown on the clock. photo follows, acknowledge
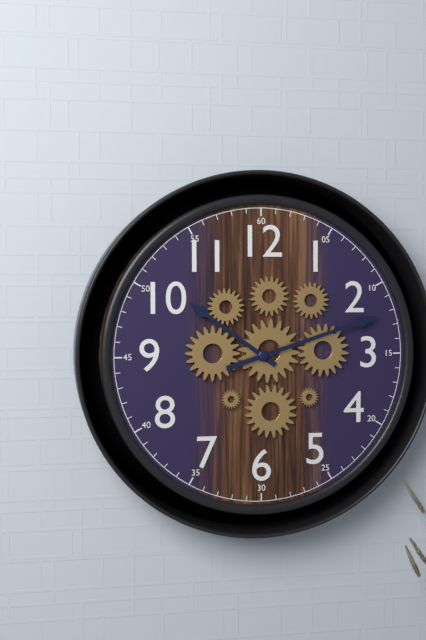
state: 10:12
